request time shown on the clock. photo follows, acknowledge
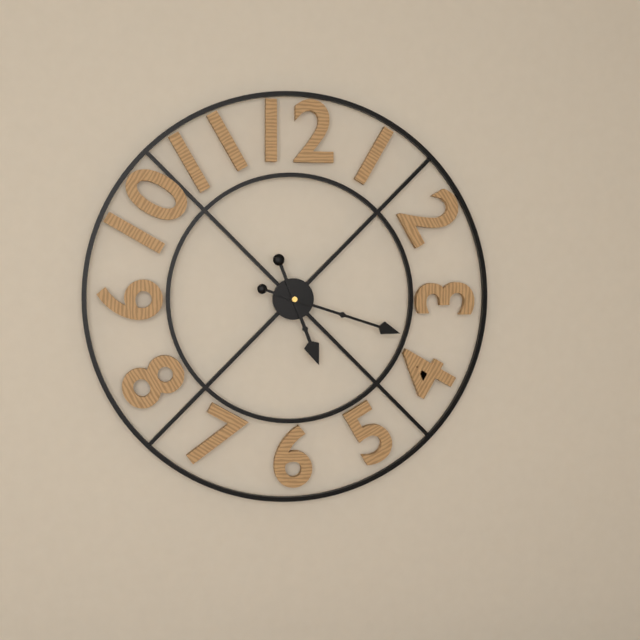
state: 5:18
